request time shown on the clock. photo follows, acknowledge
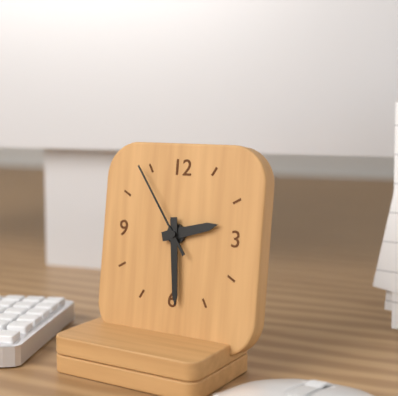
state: 2:29:54
